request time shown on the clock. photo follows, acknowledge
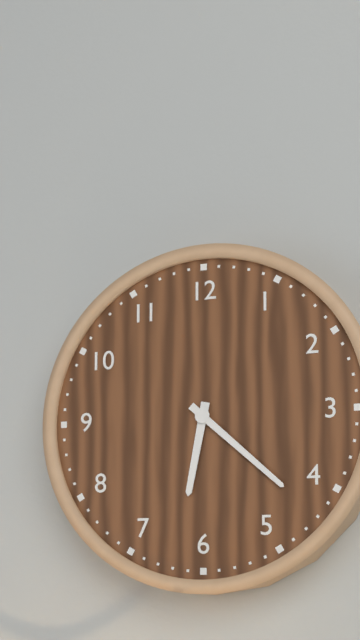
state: 6:22
